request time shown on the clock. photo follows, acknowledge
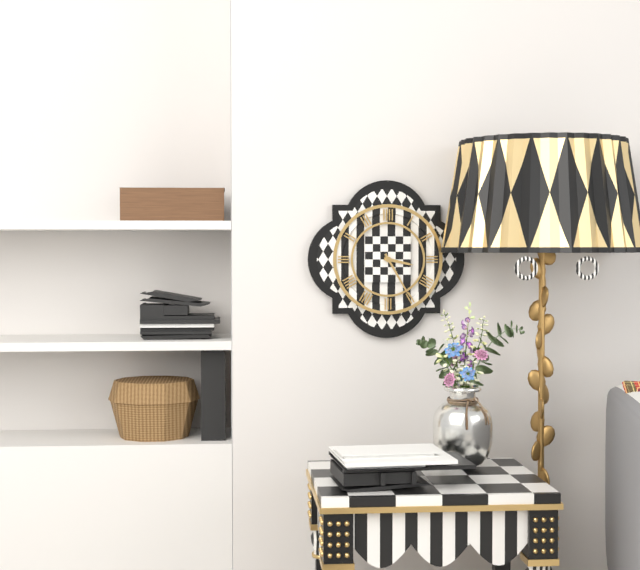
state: 3:25
